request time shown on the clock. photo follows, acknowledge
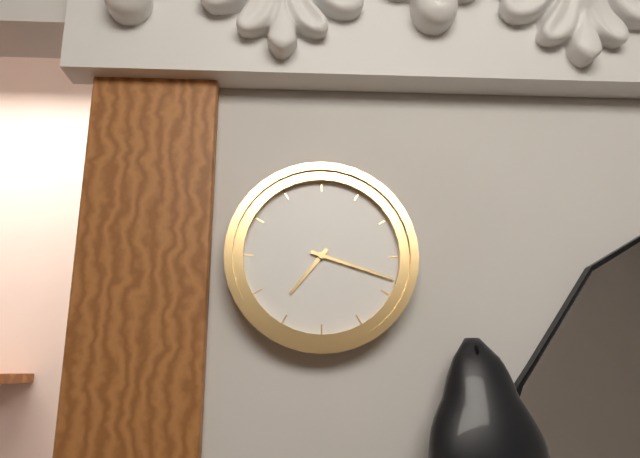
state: 7:18
